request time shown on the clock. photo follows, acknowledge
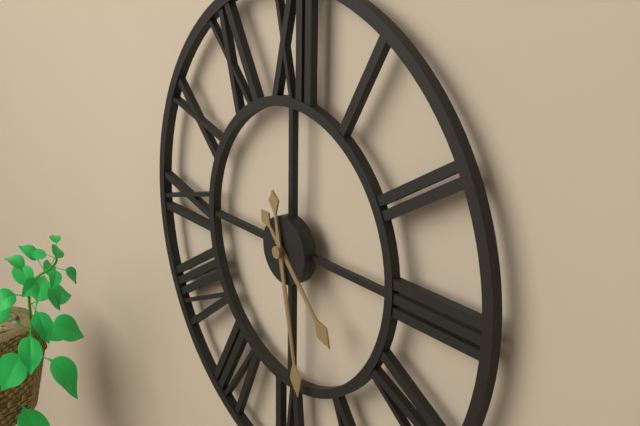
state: 4:28
